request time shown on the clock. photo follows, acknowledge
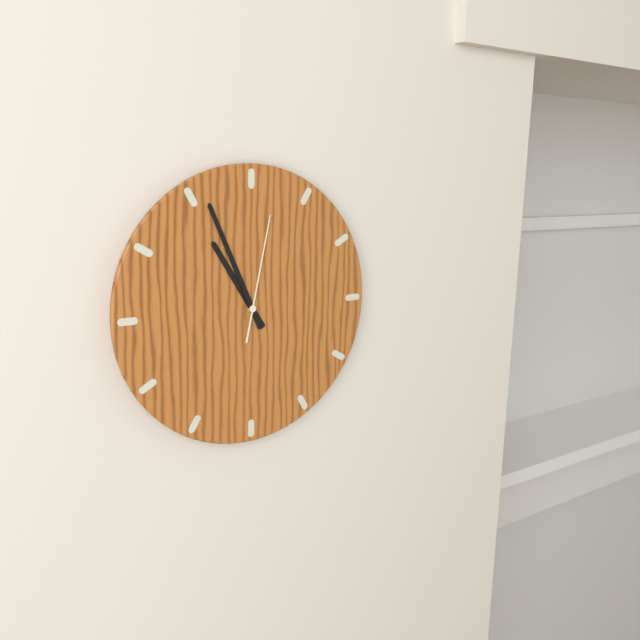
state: 10:56:02
